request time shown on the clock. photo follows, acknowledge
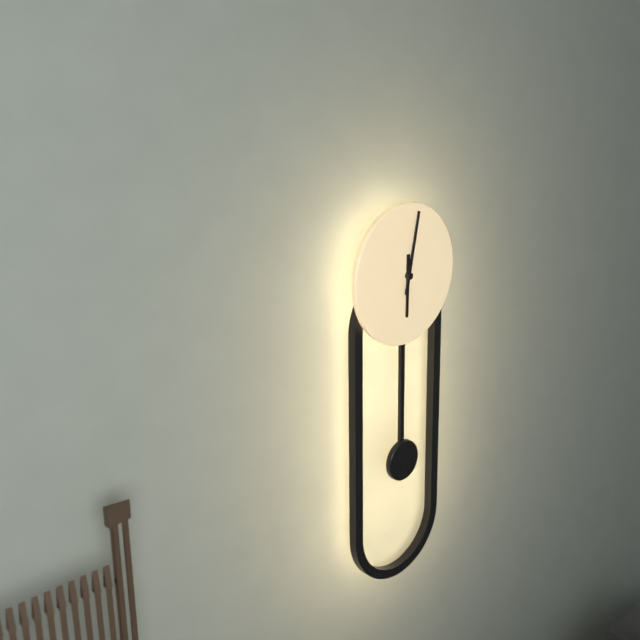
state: 6:02
